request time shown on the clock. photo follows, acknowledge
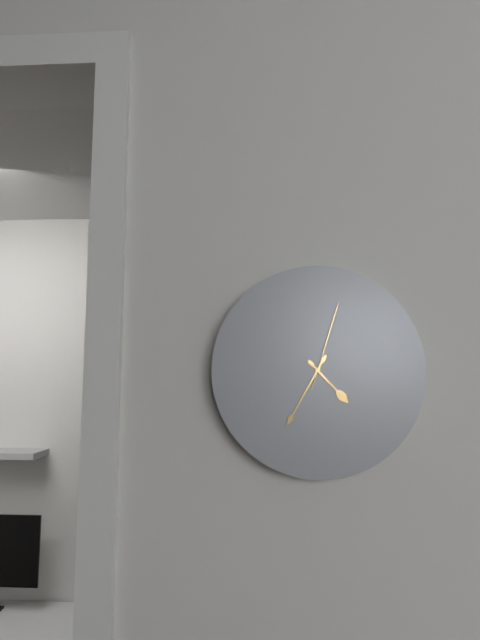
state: 4:35:03
